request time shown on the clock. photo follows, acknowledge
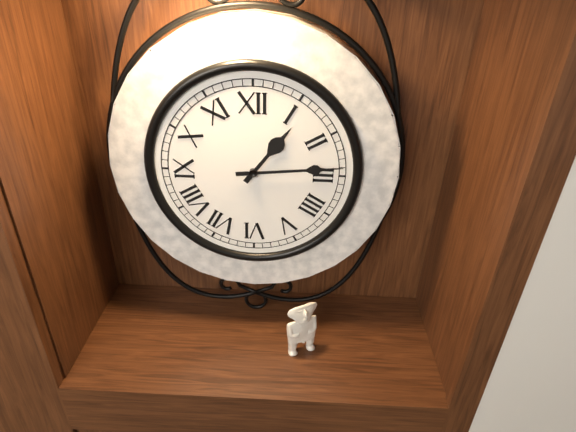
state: 1:14
